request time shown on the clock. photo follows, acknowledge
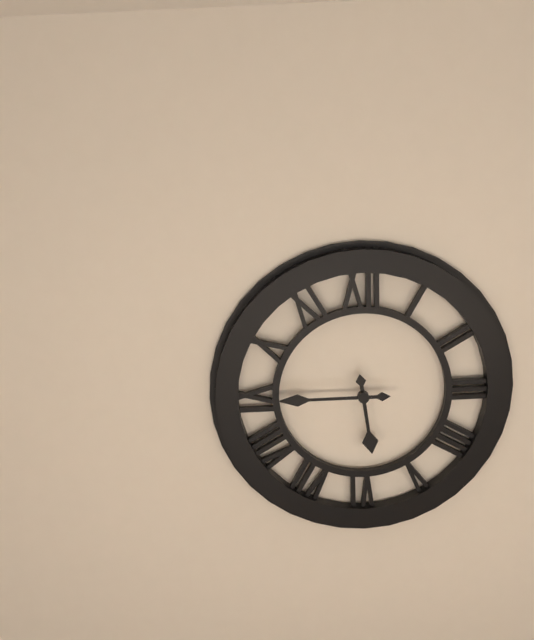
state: 5:45
